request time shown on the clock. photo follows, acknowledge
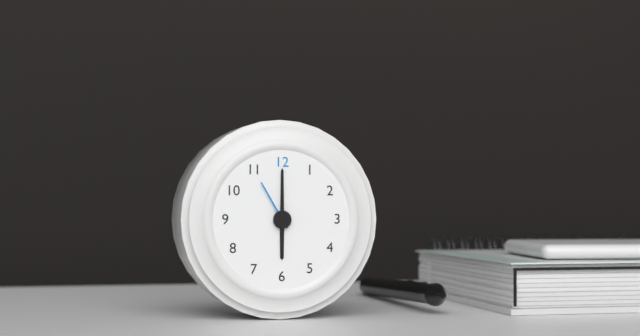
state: 6:00:55
